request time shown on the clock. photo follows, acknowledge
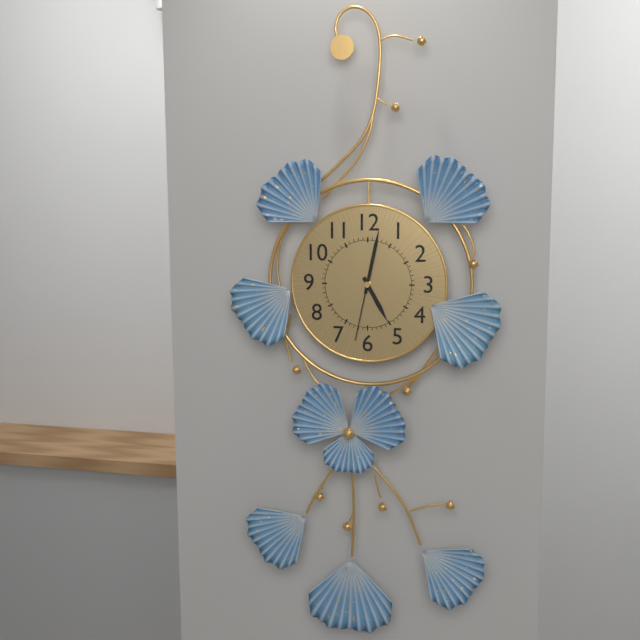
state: 5:02:32
